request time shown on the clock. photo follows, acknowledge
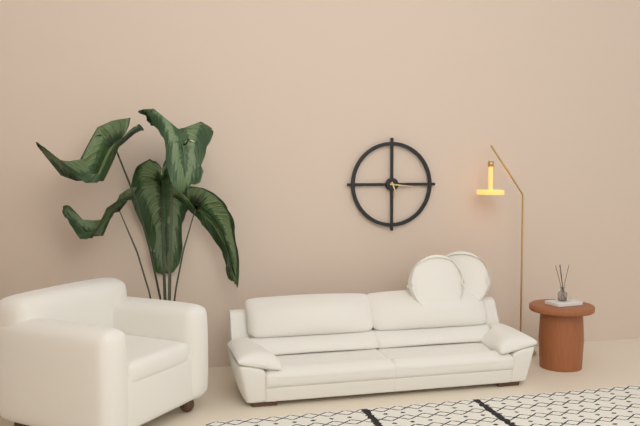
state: 5:16
